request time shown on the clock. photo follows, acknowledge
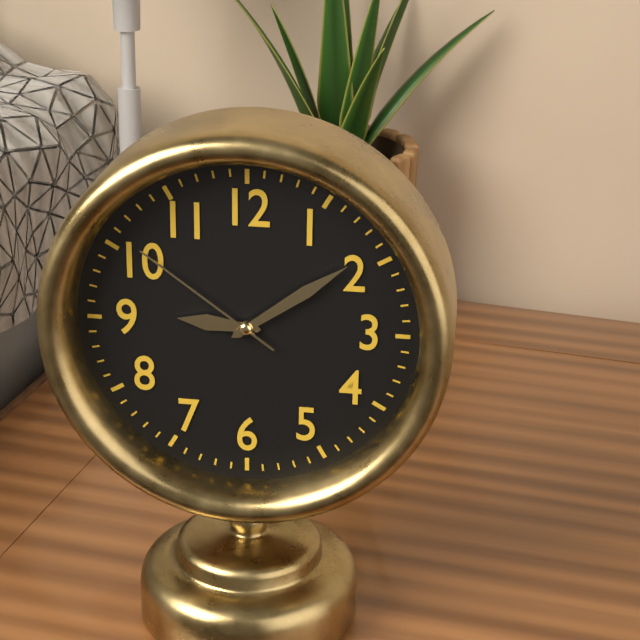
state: 9:09:51
